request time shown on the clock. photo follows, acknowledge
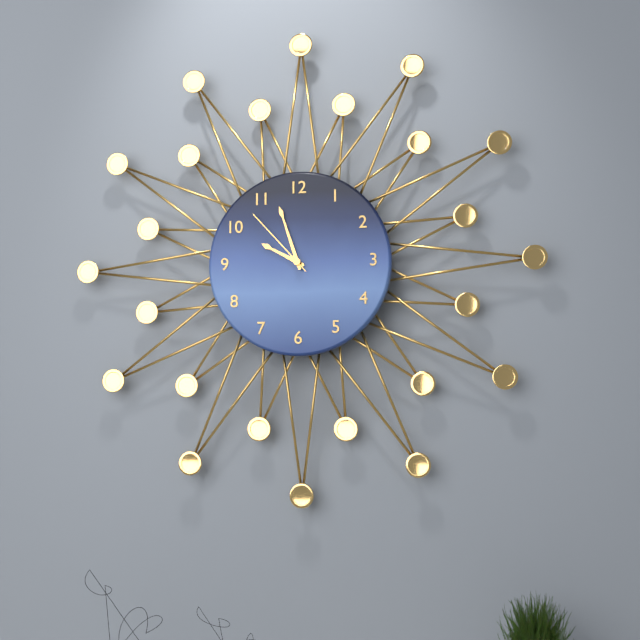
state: 9:57:53
